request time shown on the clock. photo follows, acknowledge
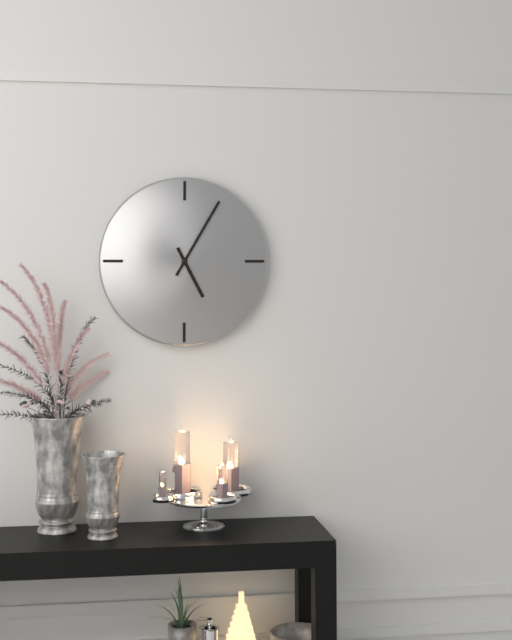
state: 5:05
